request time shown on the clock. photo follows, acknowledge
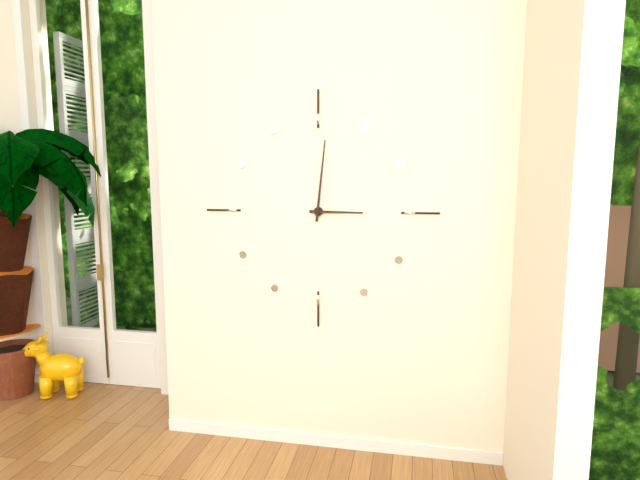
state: 3:01
